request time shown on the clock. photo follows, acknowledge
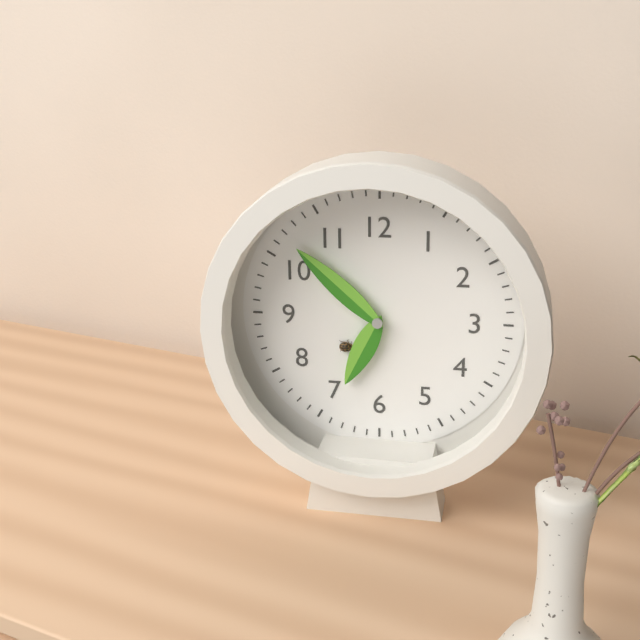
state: 6:52
